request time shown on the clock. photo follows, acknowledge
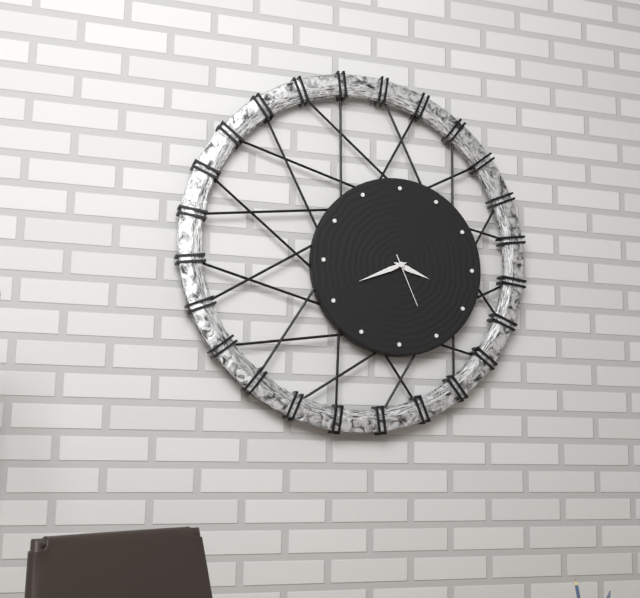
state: 3:41:26
